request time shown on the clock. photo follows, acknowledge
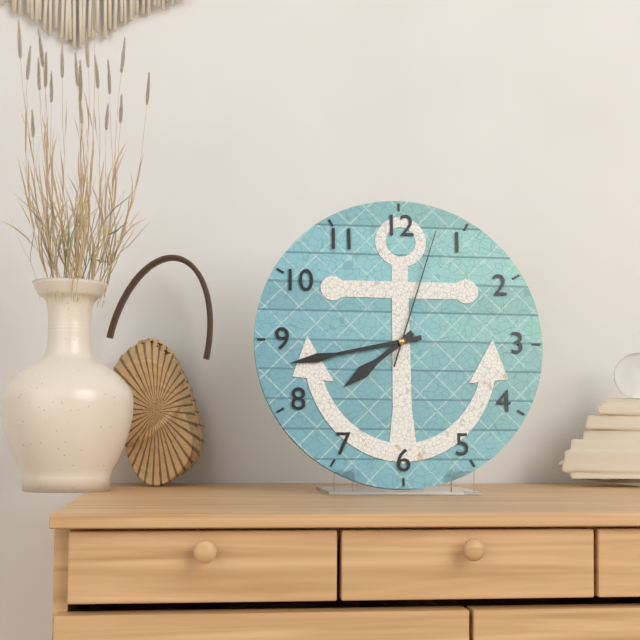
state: 7:43:03
